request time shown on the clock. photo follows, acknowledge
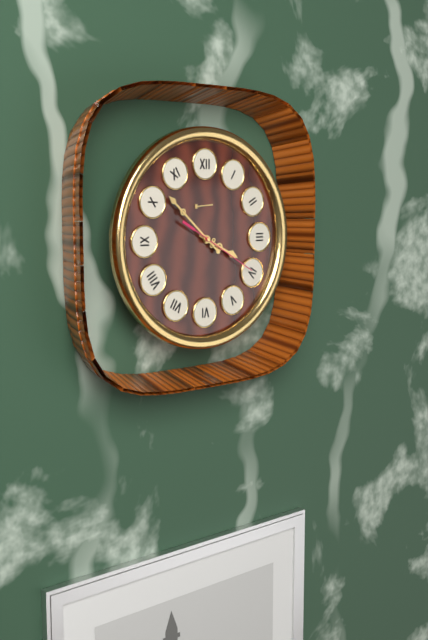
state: 3:52:20
